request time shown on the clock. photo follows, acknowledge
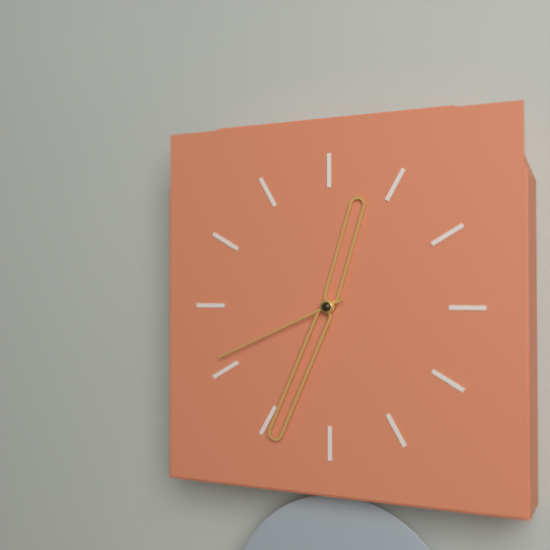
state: 12:34:41
